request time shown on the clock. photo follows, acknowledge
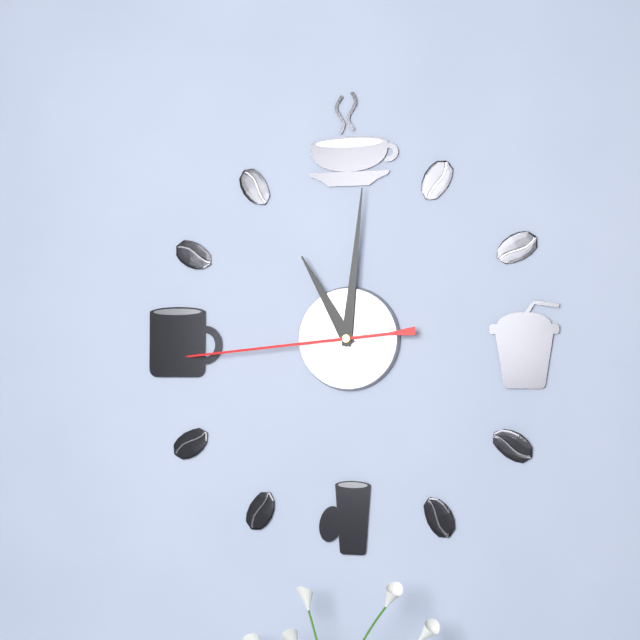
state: 11:01:44
